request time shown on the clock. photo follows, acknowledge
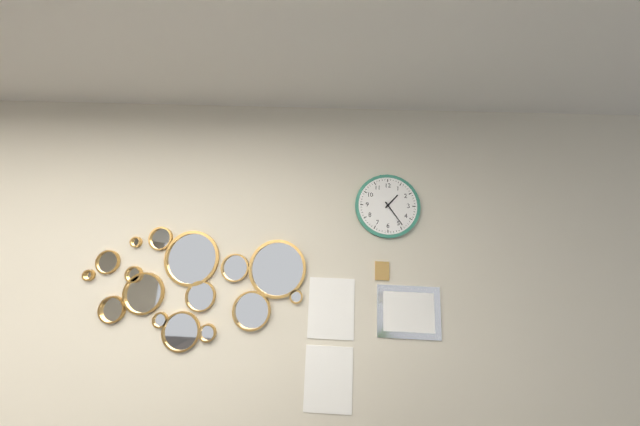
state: 1:24
